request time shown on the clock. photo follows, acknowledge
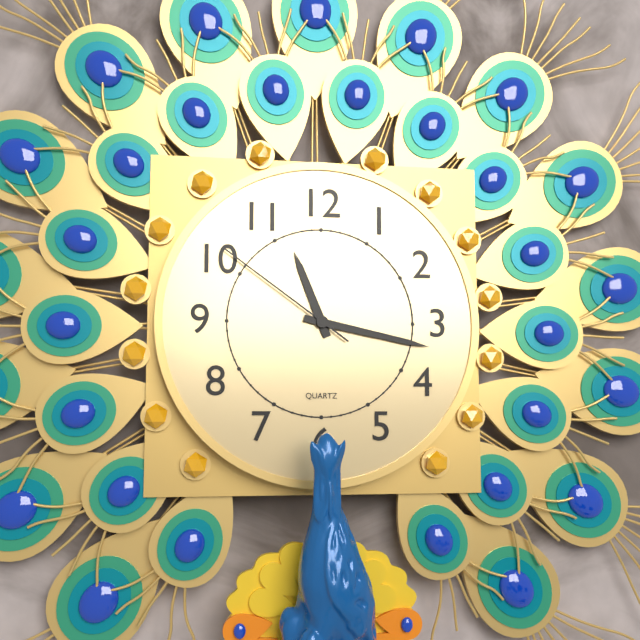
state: 11:17:51
